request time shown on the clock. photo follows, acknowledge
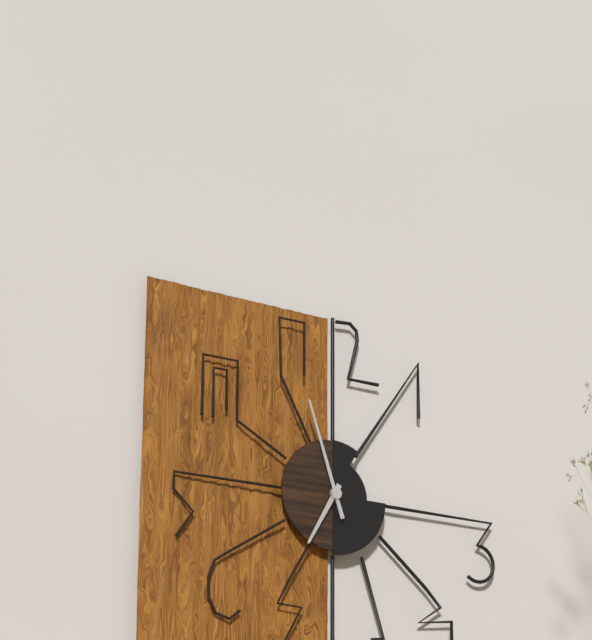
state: 6:57
